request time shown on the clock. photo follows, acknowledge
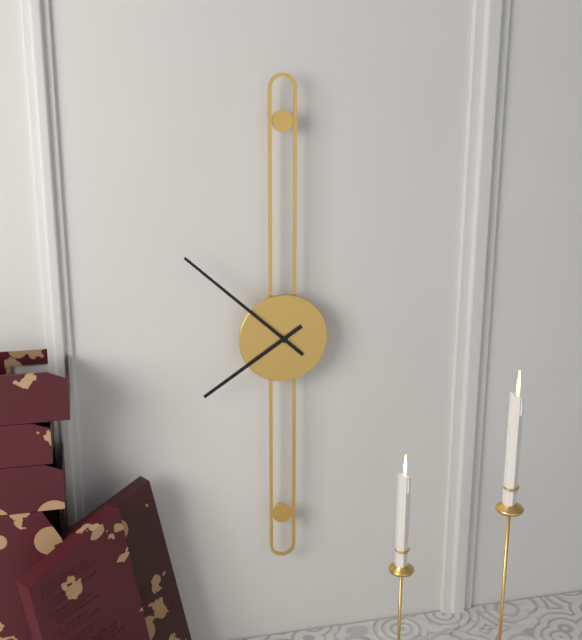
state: 7:52
